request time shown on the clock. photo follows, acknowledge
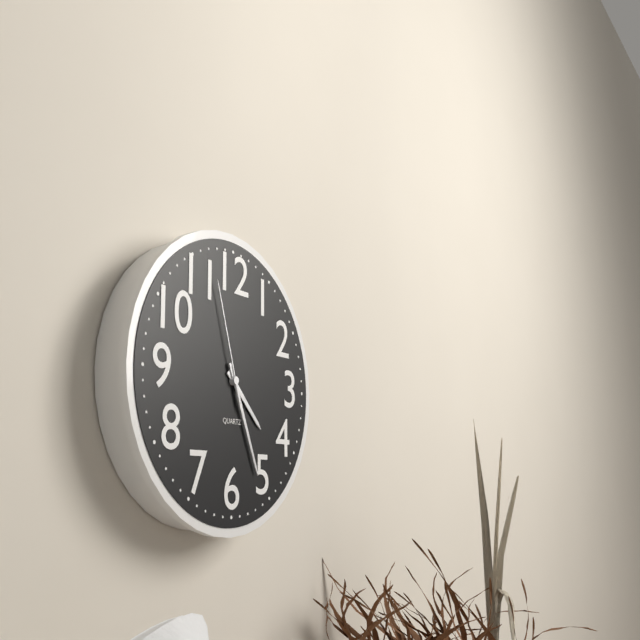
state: 4:26:57
